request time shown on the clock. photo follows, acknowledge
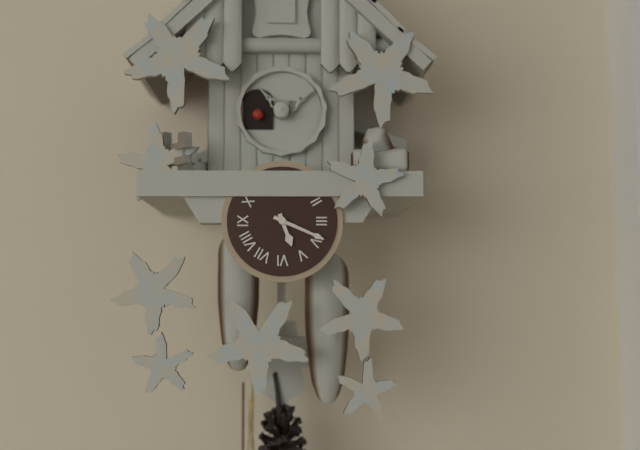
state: 5:19
